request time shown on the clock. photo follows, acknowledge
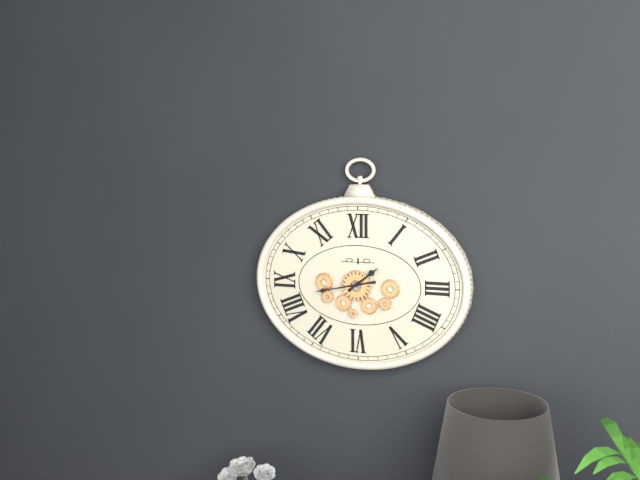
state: 1:43
